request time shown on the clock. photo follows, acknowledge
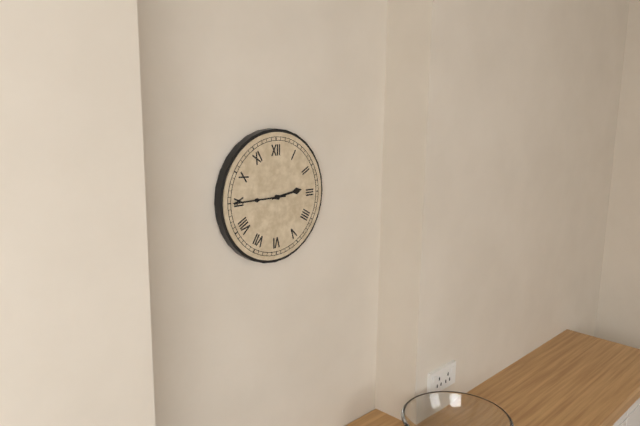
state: 2:45
